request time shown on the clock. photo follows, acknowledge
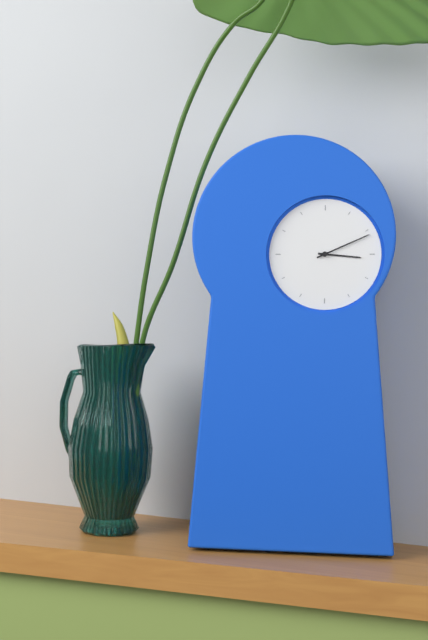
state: 3:11
